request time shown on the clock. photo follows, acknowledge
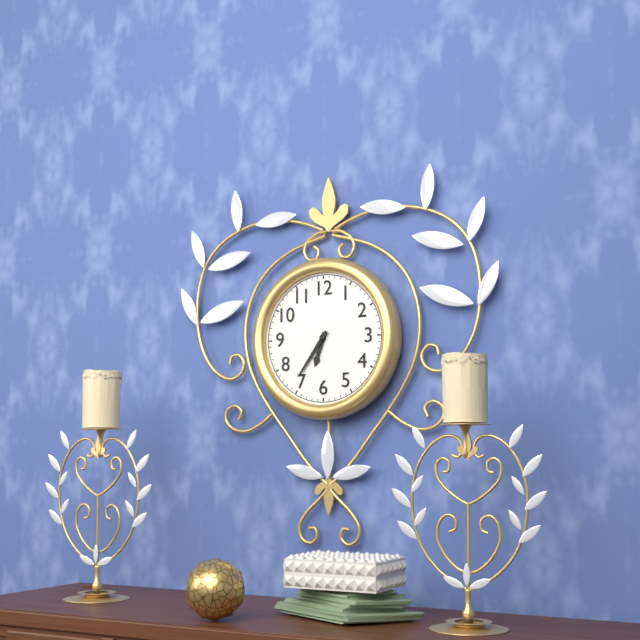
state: 6:36
